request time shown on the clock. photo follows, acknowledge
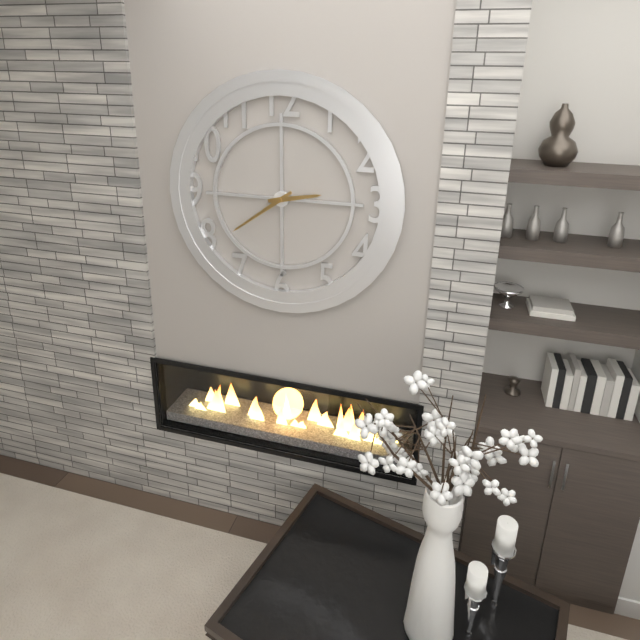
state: 2:39
